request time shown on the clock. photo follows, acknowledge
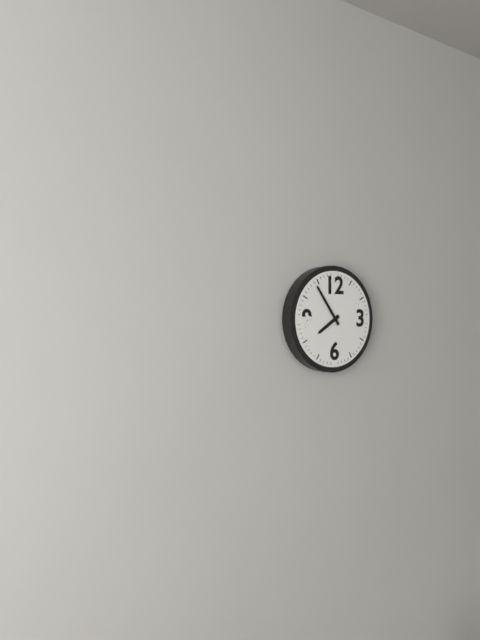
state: 7:54
